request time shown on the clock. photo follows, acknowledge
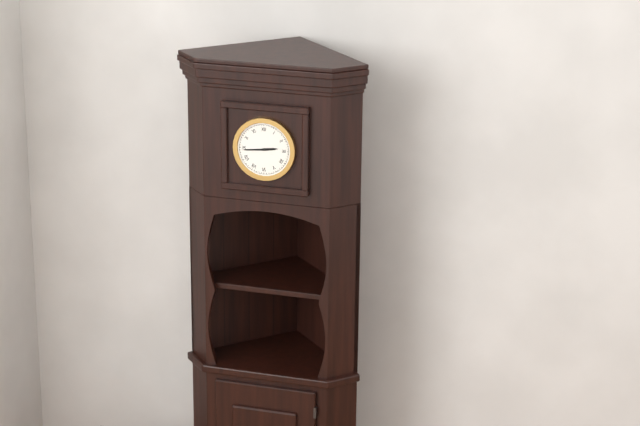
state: 2:44
